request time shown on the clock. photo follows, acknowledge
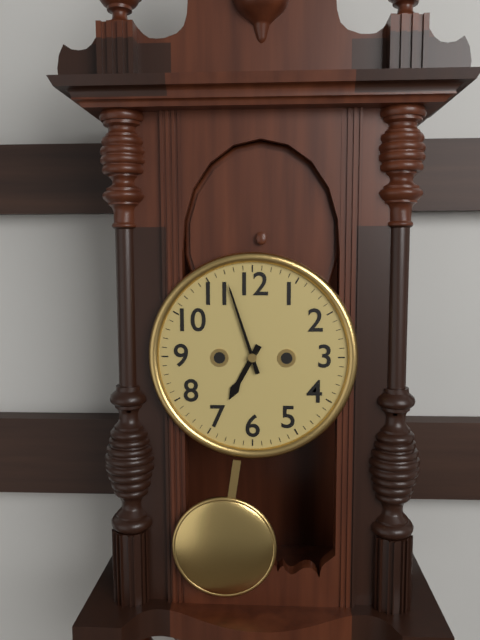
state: 6:57
